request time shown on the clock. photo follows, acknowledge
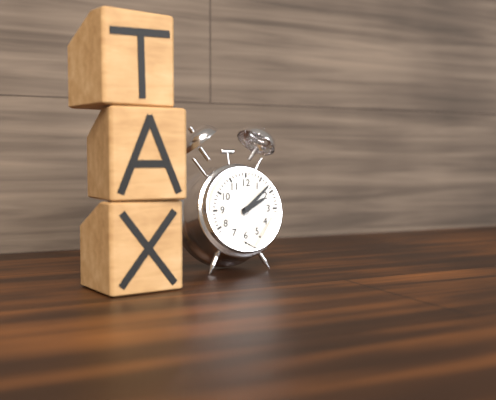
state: 2:08
